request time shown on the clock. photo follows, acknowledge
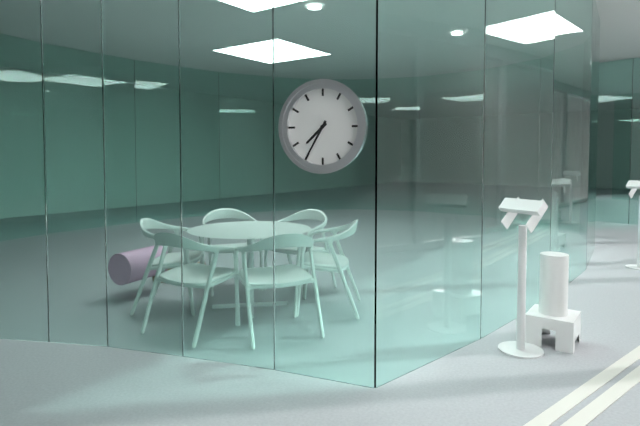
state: 7:35
